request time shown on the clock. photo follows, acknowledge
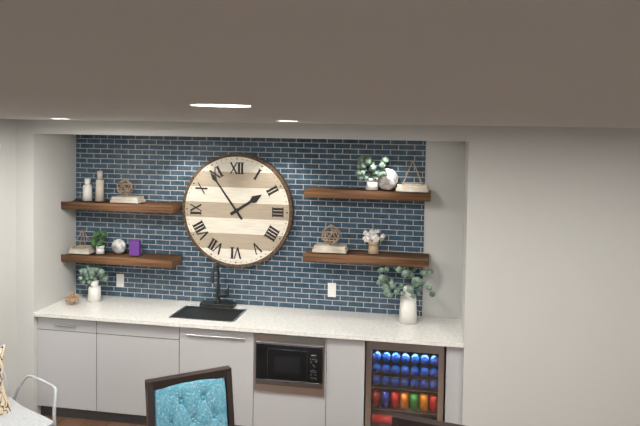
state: 1:54
